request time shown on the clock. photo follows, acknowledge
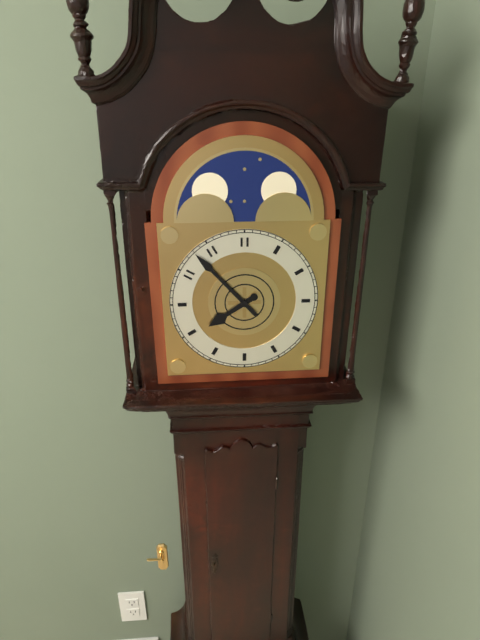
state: 7:53
